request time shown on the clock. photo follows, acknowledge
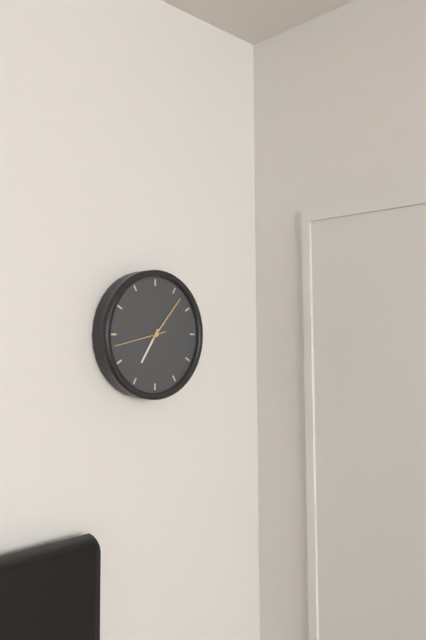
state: 7:07
